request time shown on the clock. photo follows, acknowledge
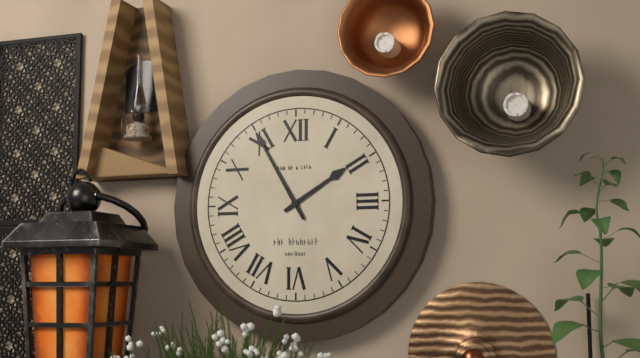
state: 1:55
